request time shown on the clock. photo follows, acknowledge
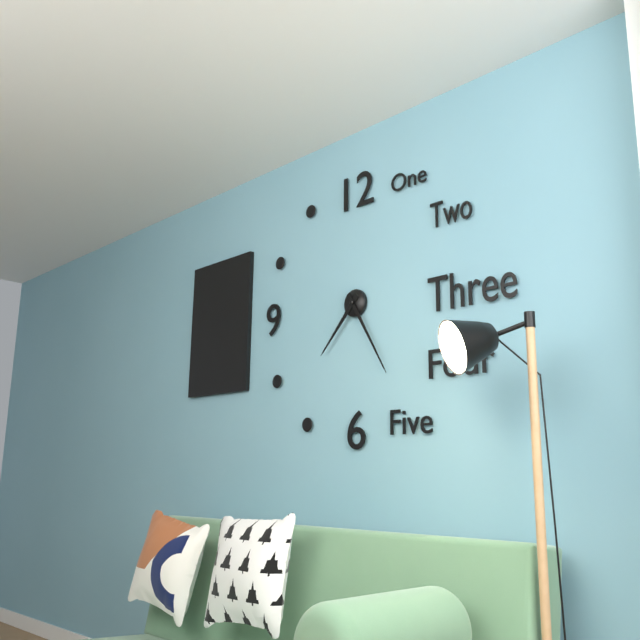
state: 7:25
